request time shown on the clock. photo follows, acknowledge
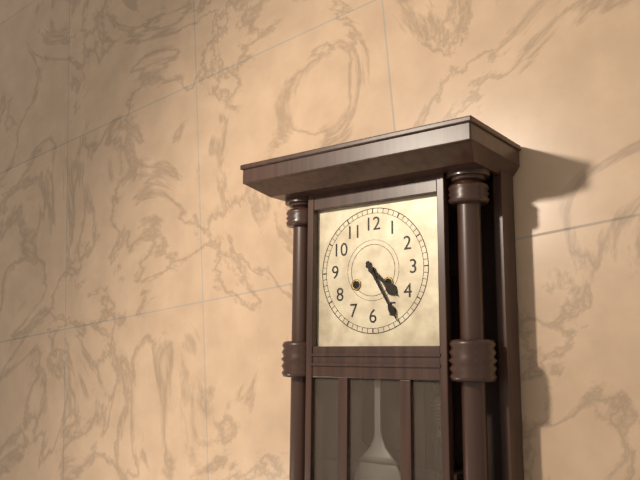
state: 4:25
